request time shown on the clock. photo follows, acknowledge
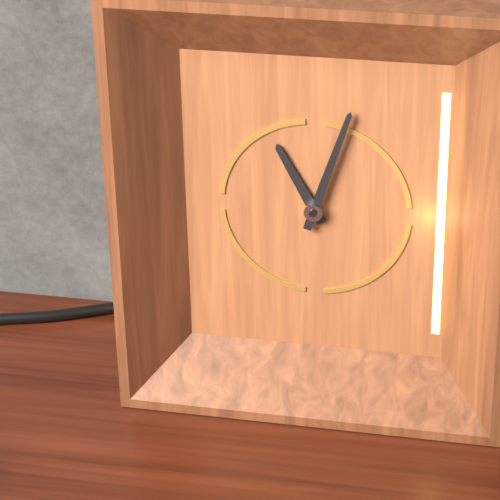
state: 11:03
